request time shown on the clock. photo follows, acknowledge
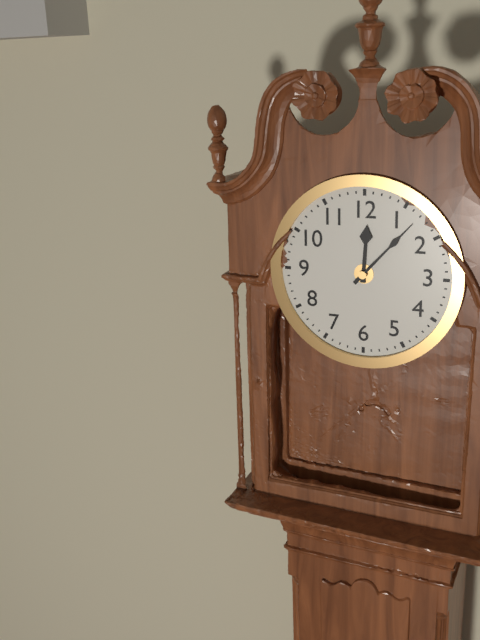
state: 12:07
